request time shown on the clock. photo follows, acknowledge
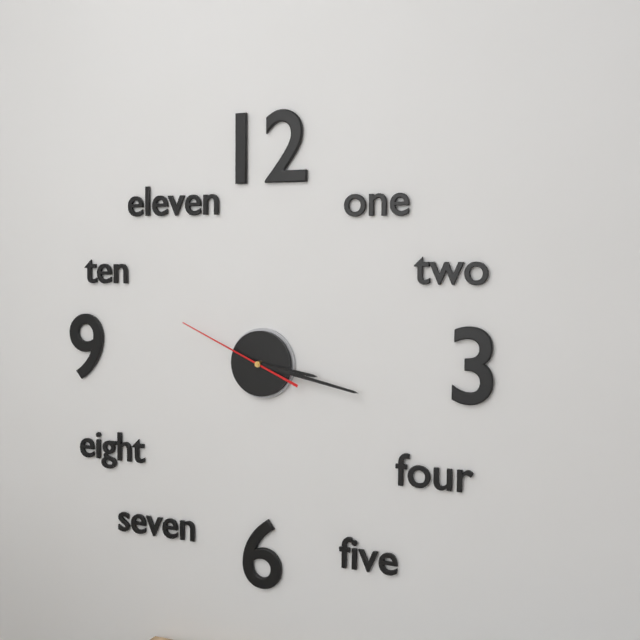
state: 3:17:49
